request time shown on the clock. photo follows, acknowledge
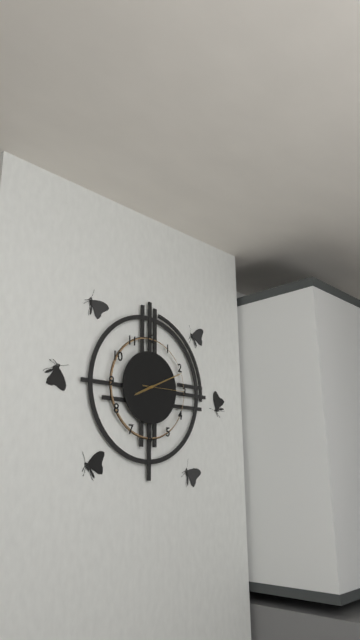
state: 8:11
